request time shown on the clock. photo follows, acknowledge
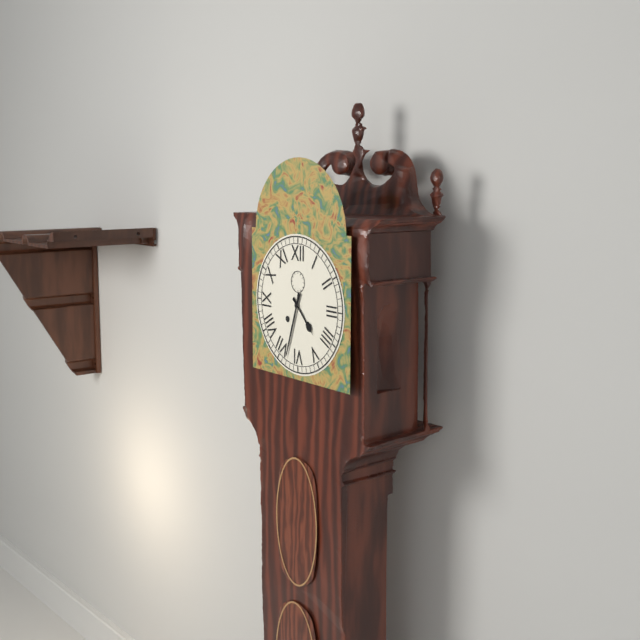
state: 4:33
